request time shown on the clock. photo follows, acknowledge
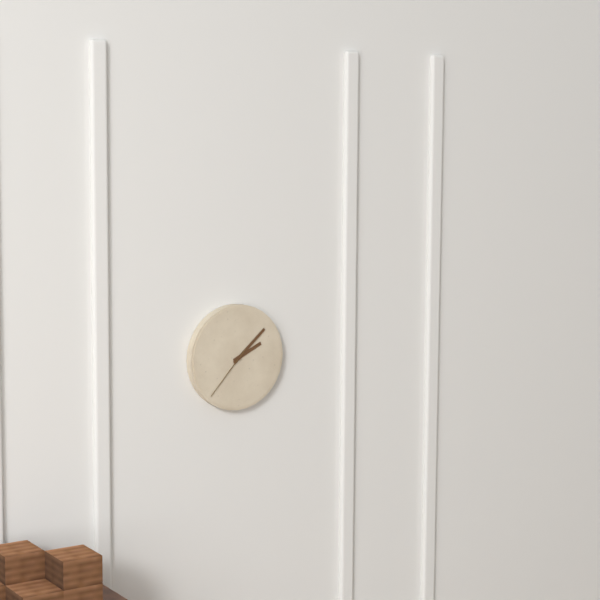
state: 2:08:37
